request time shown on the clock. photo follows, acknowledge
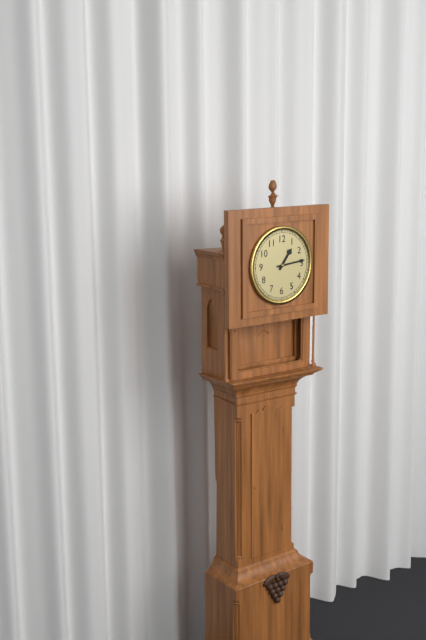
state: 1:14
